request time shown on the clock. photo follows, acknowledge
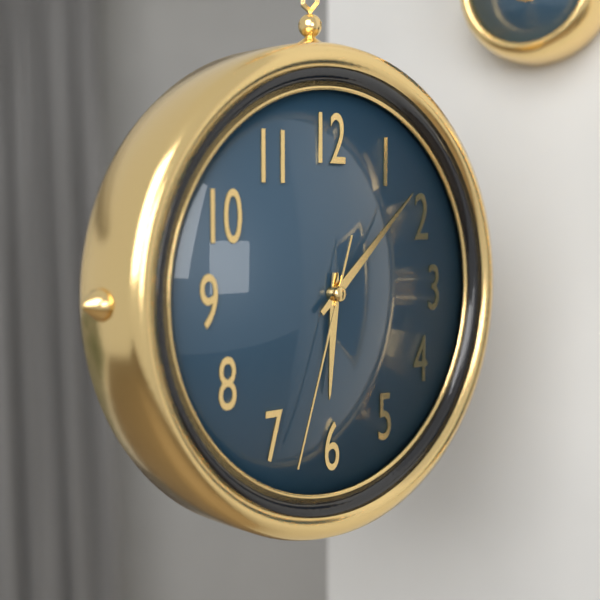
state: 6:08:33
